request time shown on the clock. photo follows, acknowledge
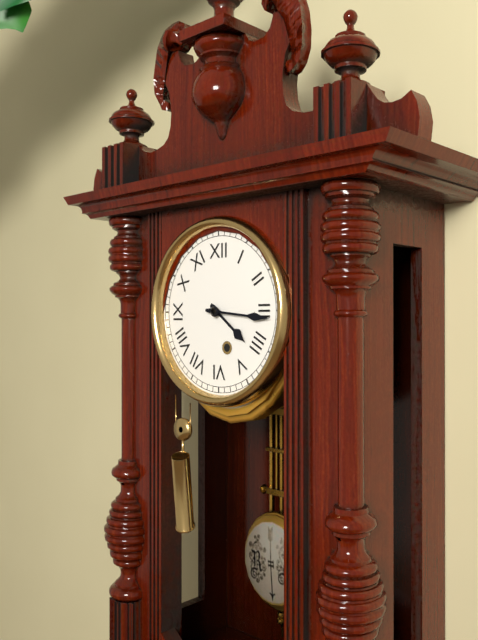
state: 4:16
